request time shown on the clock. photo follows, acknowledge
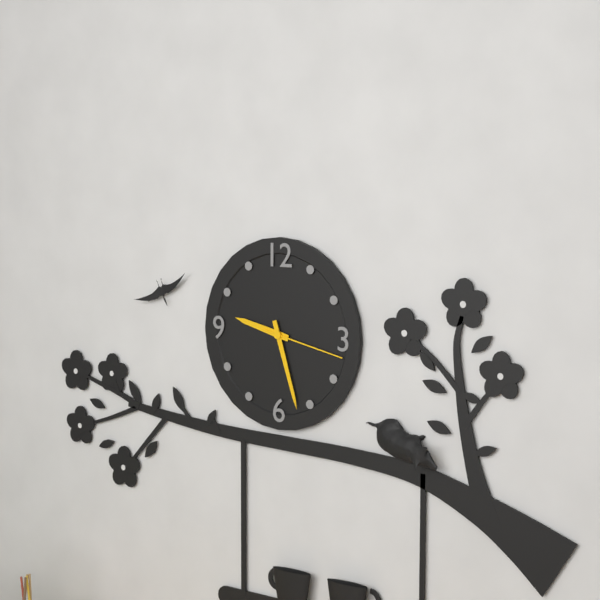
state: 9:27:17
